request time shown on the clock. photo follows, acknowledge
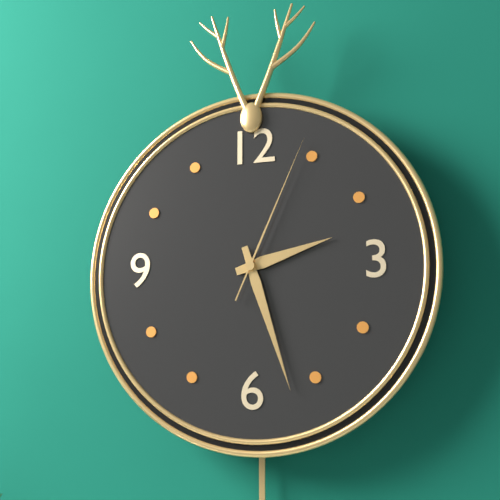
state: 2:27:04
